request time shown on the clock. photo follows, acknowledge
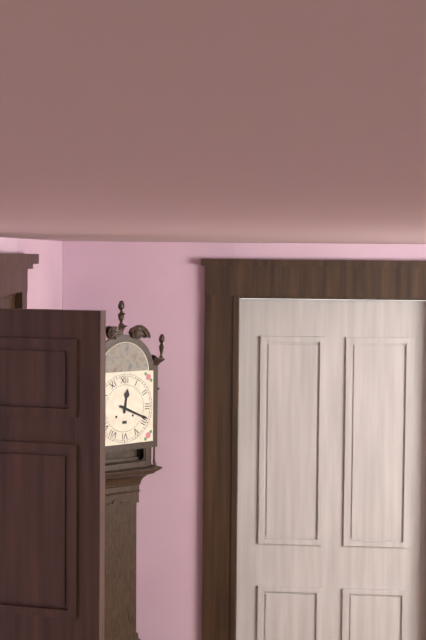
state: 12:19
